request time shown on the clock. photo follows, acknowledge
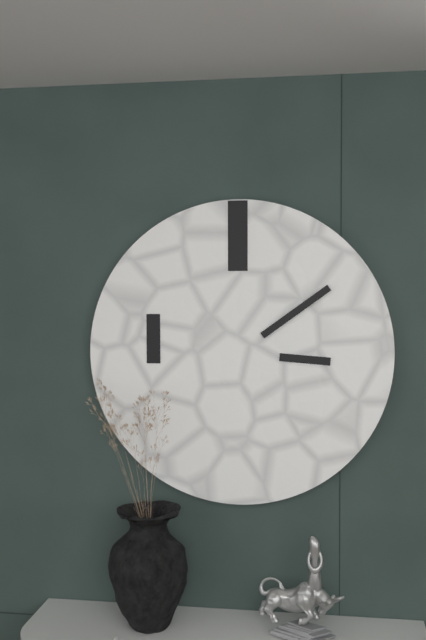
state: 3:09
